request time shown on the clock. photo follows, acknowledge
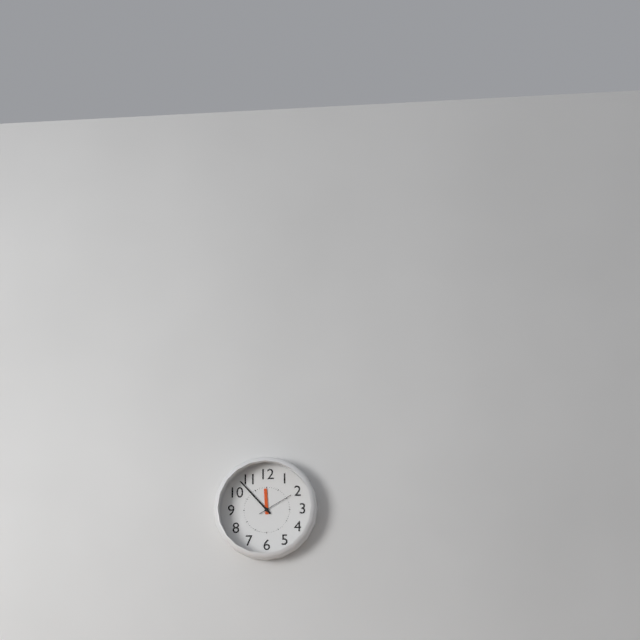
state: 11:53
